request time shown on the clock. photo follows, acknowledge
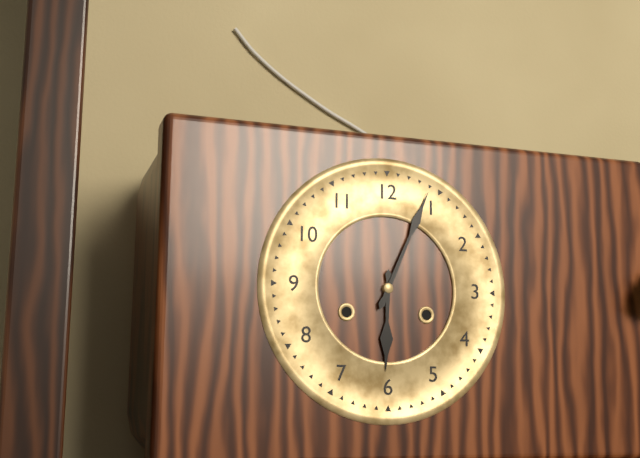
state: 6:04
